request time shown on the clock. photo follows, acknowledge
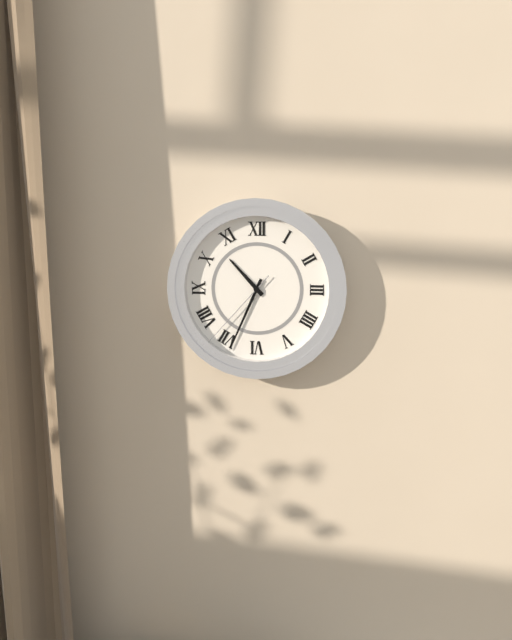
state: 10:34:37
